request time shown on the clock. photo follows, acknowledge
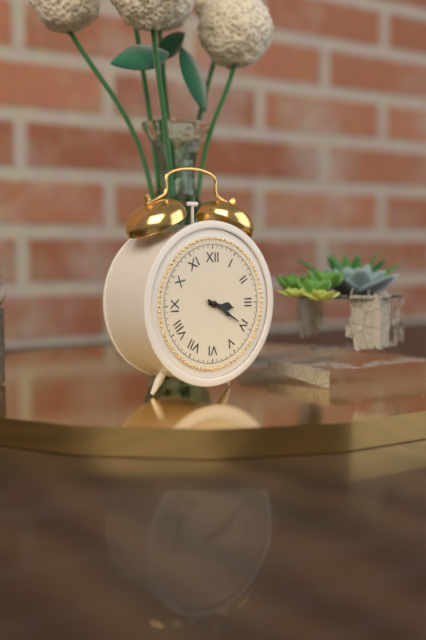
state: 3:20
